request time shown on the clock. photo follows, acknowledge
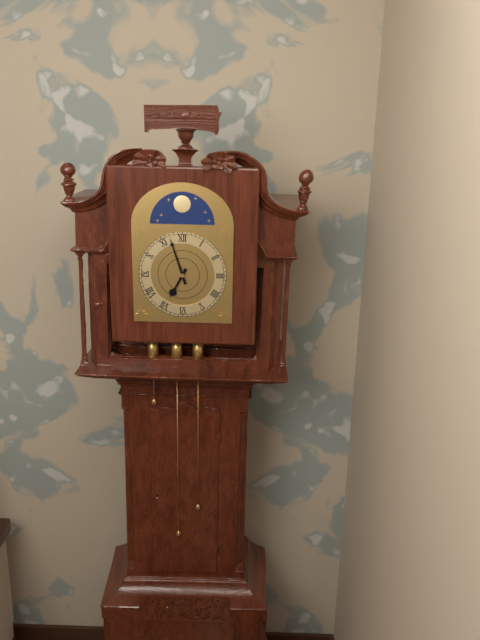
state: 6:57
